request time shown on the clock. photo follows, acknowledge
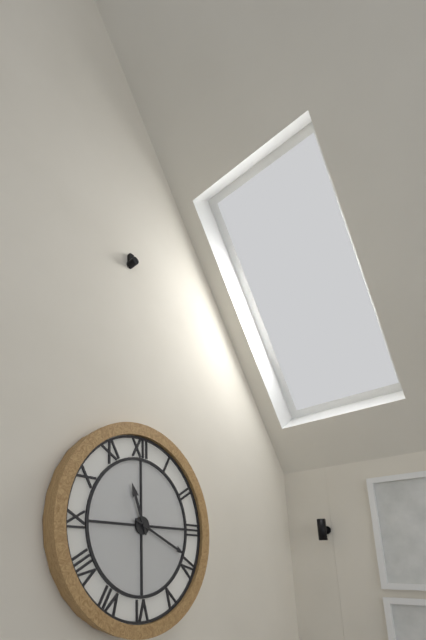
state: 11:19
